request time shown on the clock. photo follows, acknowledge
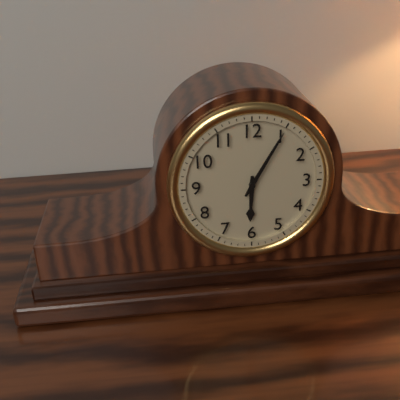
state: 6:05
